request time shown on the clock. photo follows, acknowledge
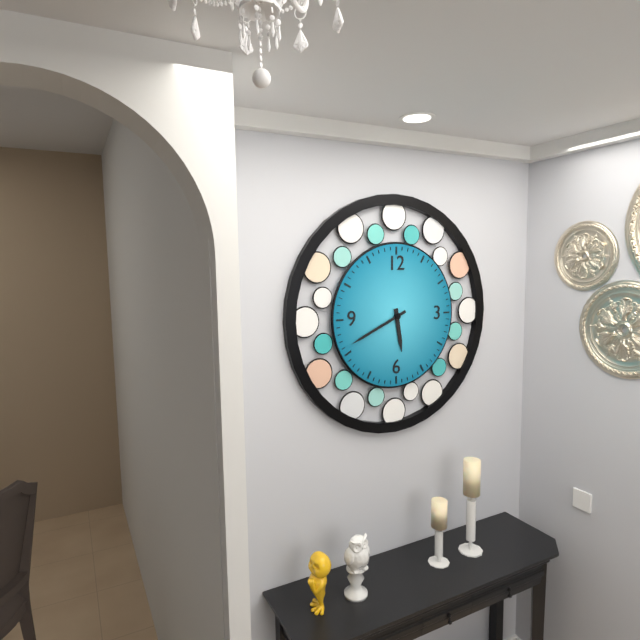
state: 5:41
